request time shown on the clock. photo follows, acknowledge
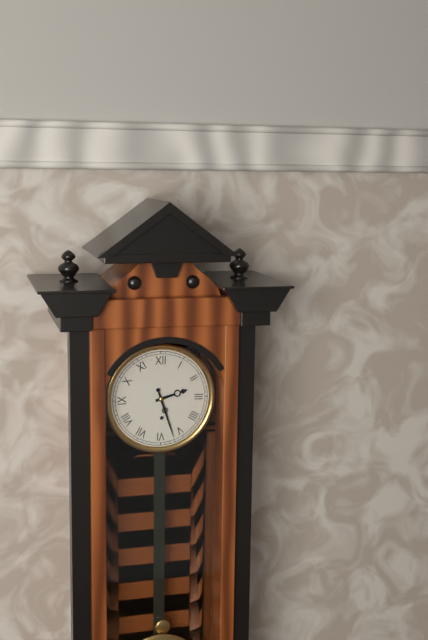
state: 2:27
